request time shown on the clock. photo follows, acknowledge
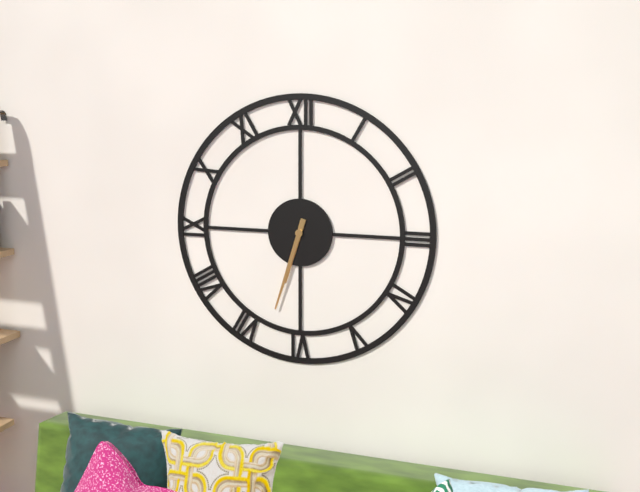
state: 6:33
